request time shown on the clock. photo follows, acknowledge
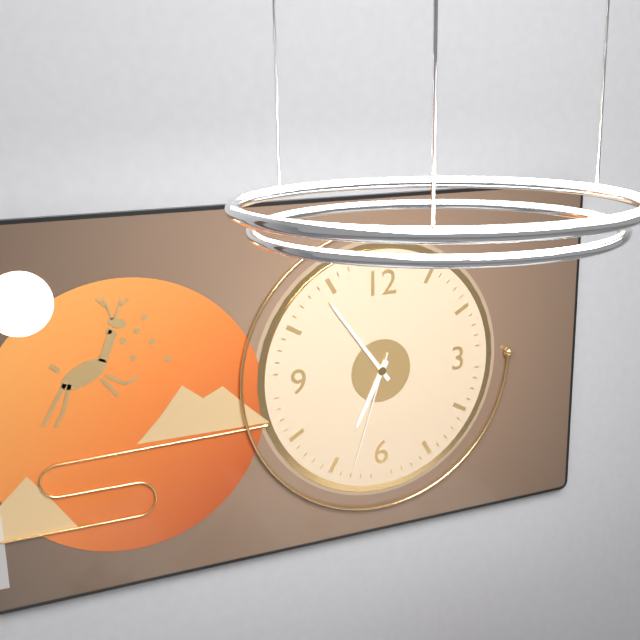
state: 6:54:33
